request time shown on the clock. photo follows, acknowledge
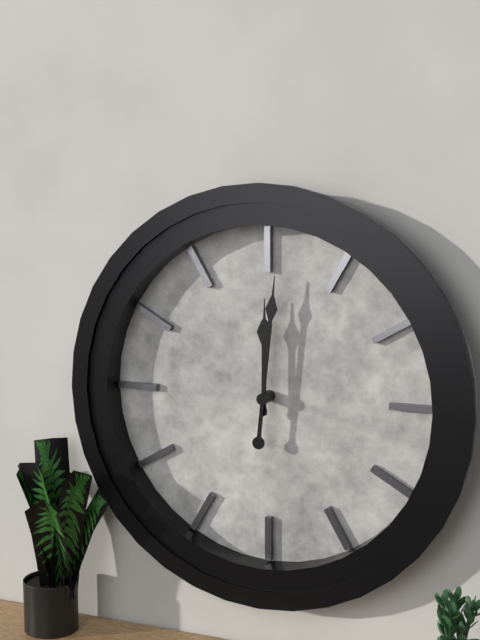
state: 12:01
